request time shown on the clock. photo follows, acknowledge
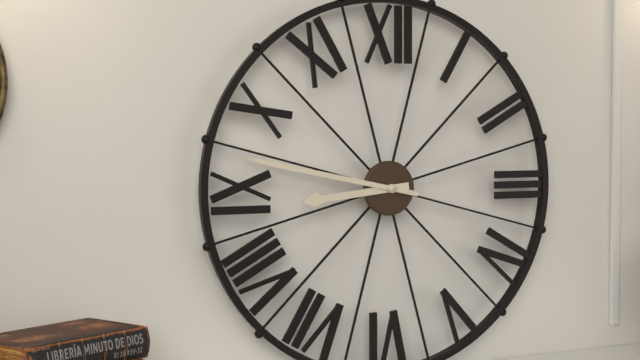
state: 8:47
